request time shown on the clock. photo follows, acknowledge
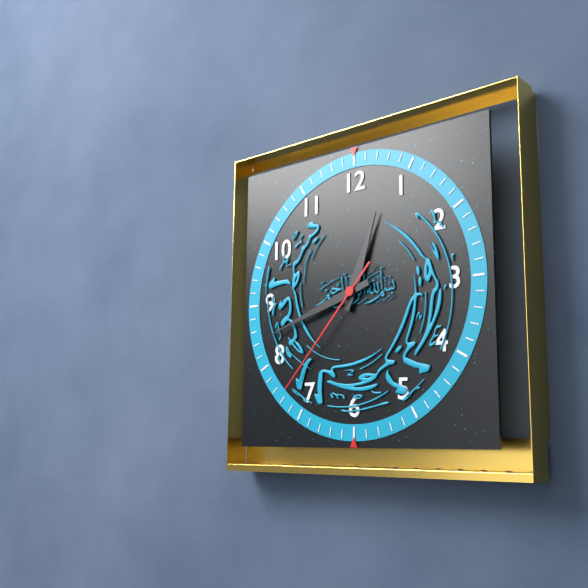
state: 12:42:37
